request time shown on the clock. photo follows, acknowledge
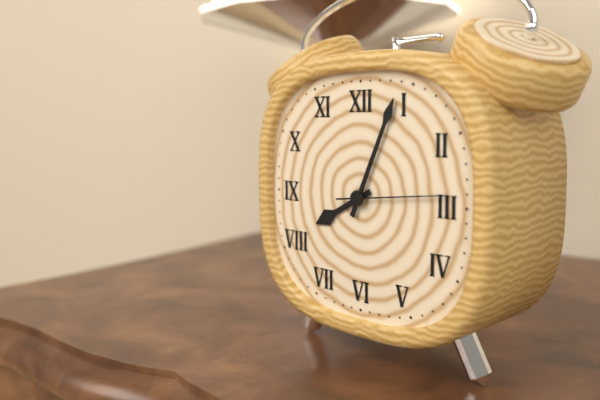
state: 8:04:14
